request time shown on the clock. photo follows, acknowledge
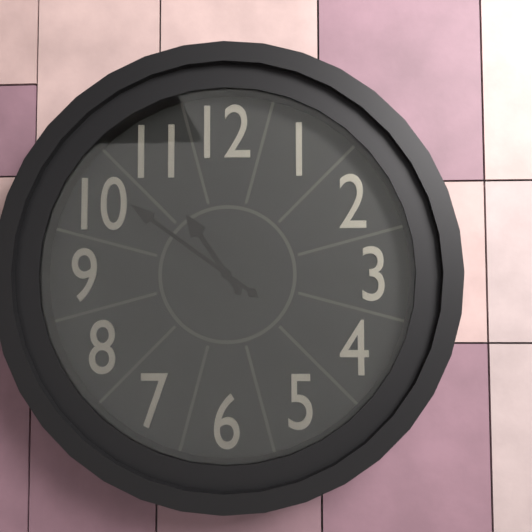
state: 10:51
